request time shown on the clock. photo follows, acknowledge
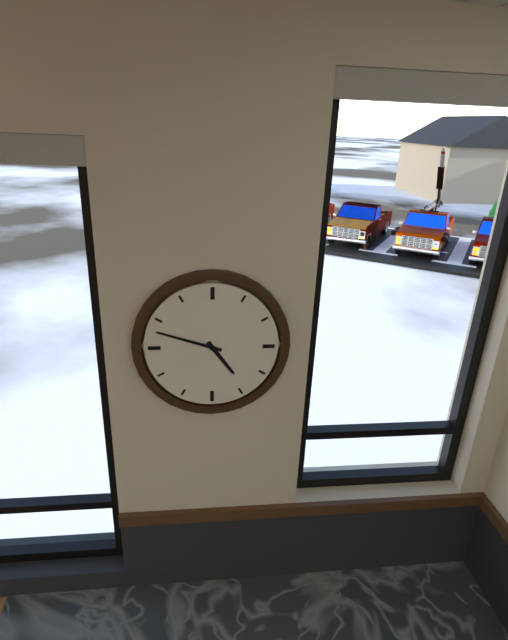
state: 4:48
